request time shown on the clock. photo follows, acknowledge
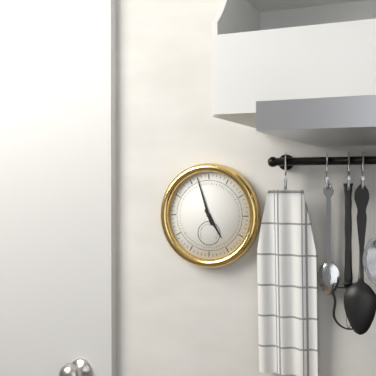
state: 4:57
